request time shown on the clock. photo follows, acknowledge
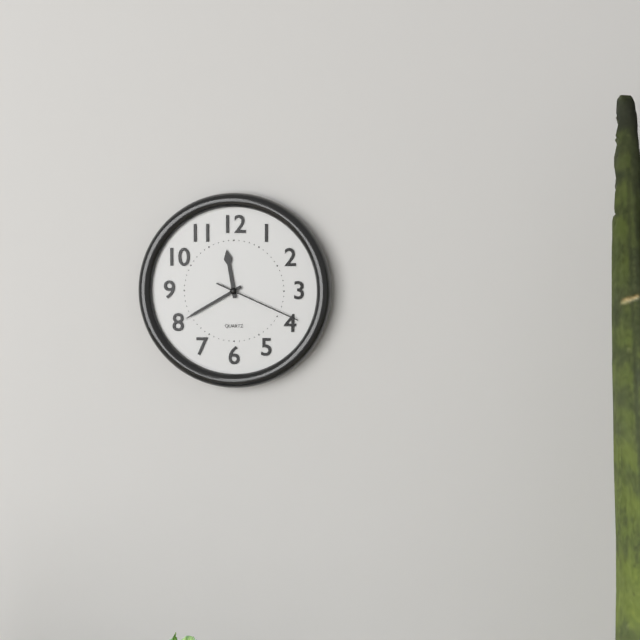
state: 11:40:19
